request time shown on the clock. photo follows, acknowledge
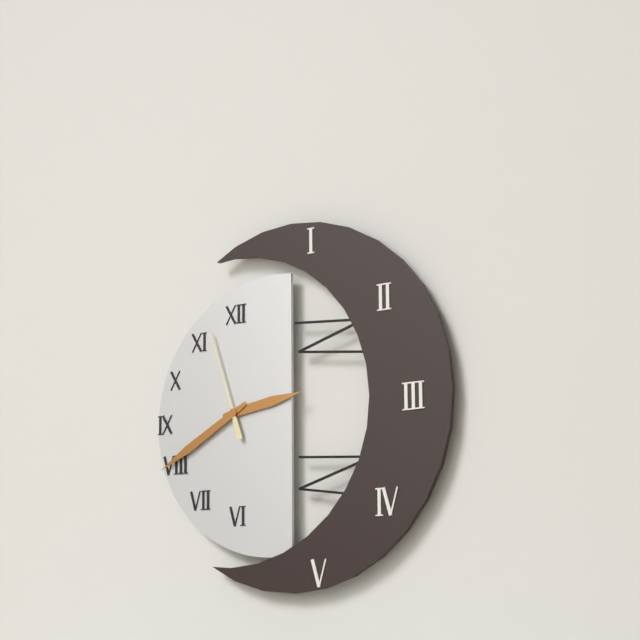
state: 2:40:57
